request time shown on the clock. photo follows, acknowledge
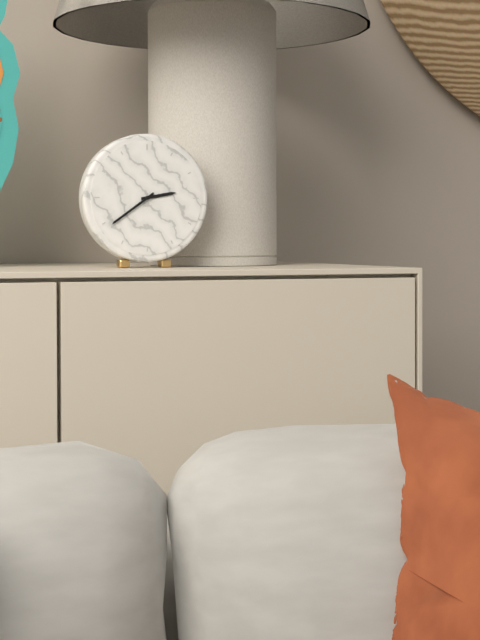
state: 2:39
